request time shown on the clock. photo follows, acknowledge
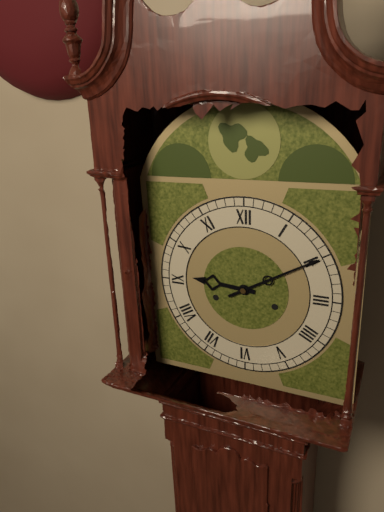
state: 9:10
